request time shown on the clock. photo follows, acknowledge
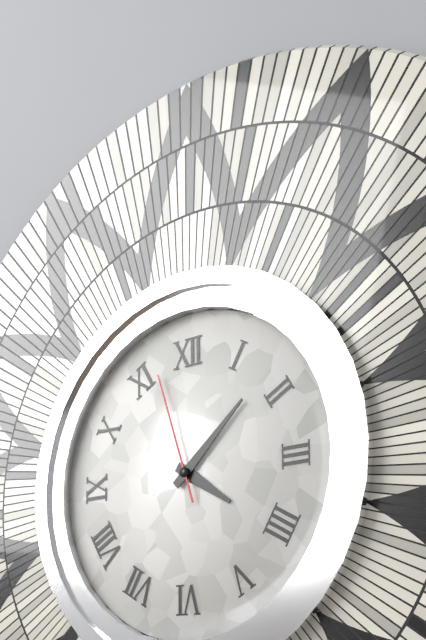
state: 4:08:57
